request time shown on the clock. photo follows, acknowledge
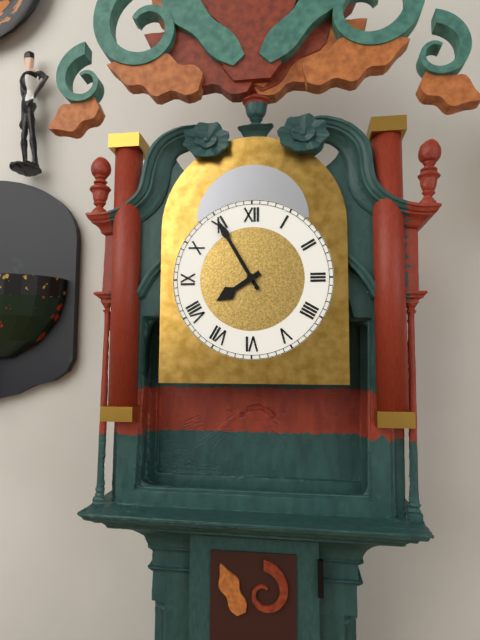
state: 7:55
